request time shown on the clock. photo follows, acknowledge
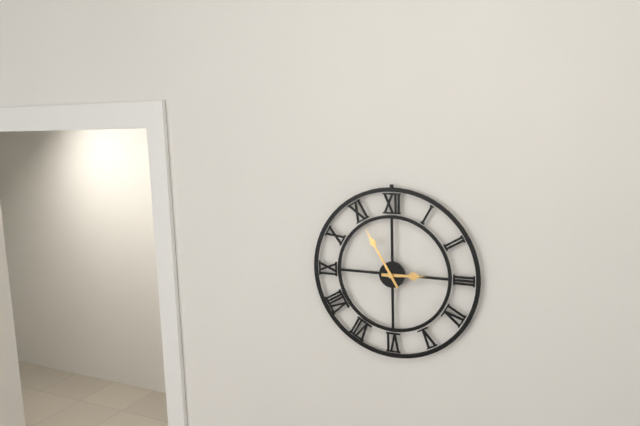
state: 2:55
